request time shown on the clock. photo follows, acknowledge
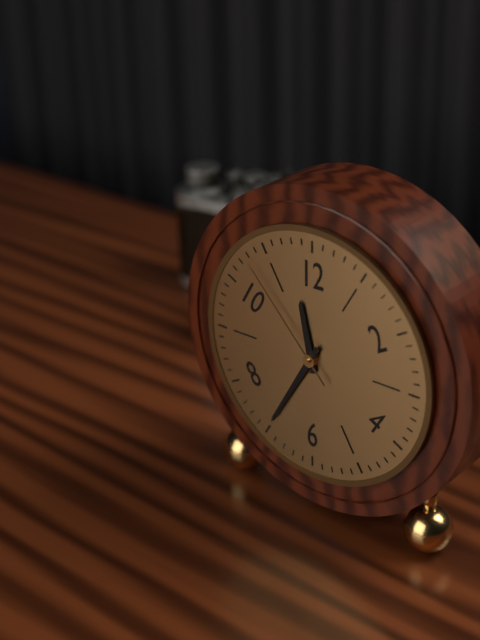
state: 11:35:53
